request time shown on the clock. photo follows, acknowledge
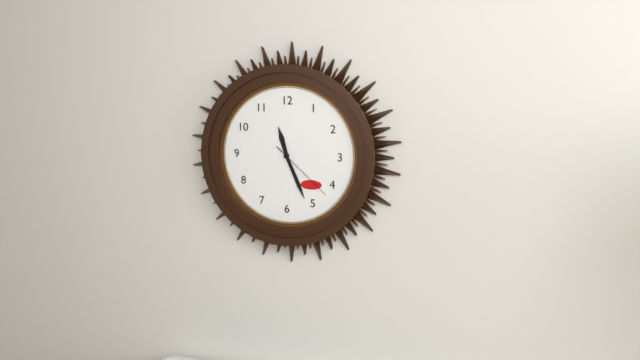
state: 11:26:22
